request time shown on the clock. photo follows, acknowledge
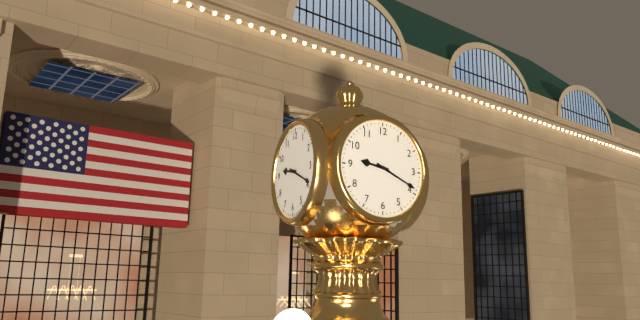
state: 9:19
